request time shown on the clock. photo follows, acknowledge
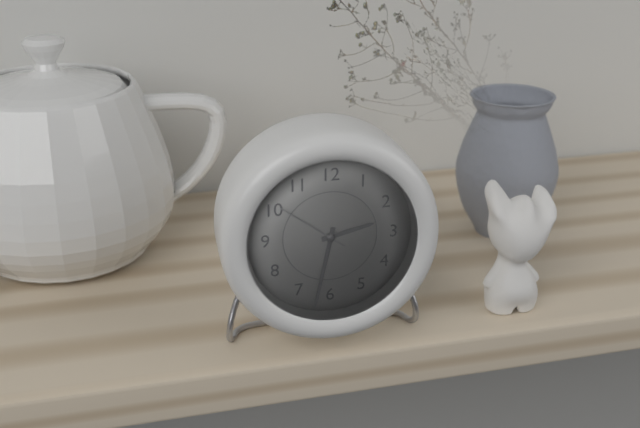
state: 2:32:51
